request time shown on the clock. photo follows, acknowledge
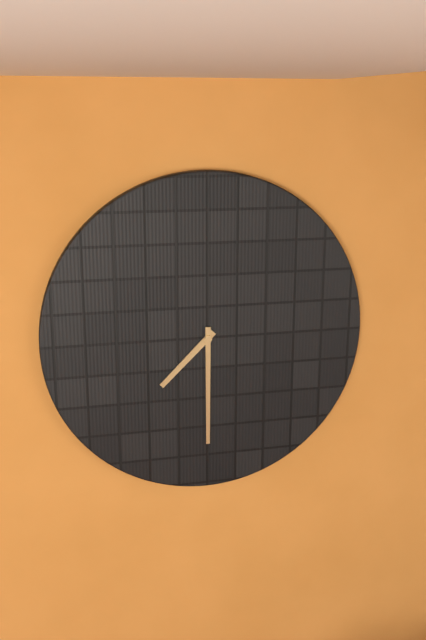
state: 7:30
